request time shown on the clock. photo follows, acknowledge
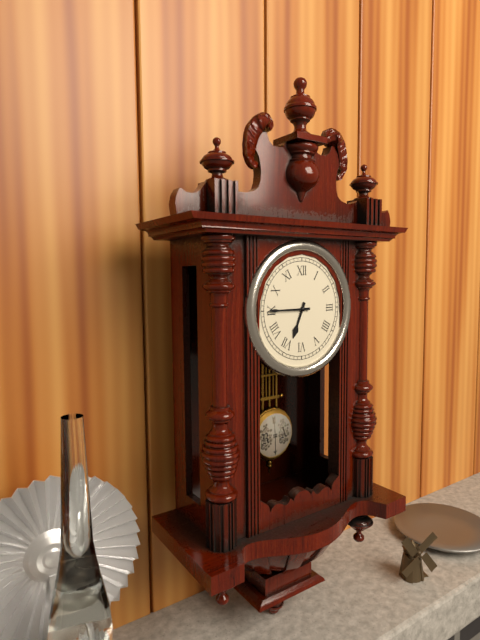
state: 6:45
